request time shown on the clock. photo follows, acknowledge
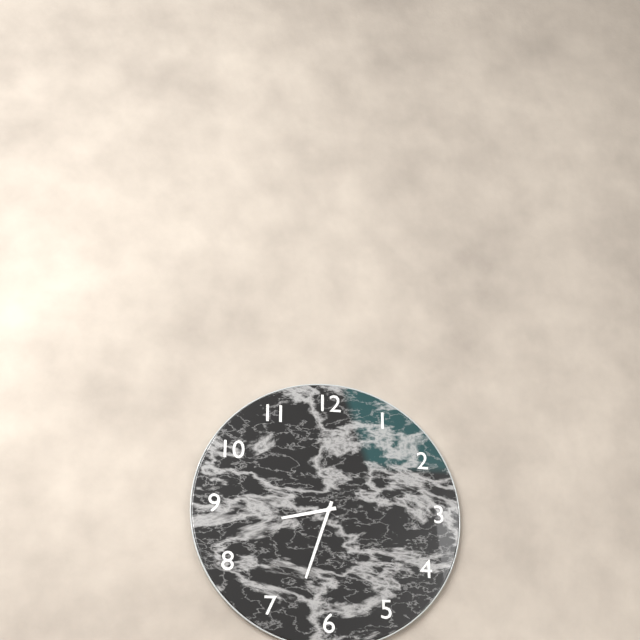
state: 8:33
